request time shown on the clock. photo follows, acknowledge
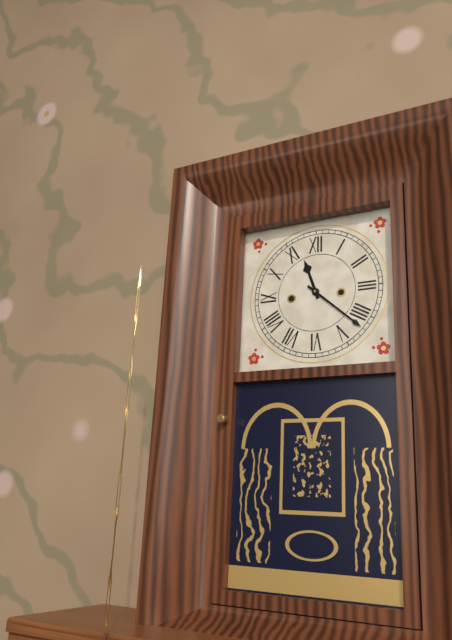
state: 11:22
